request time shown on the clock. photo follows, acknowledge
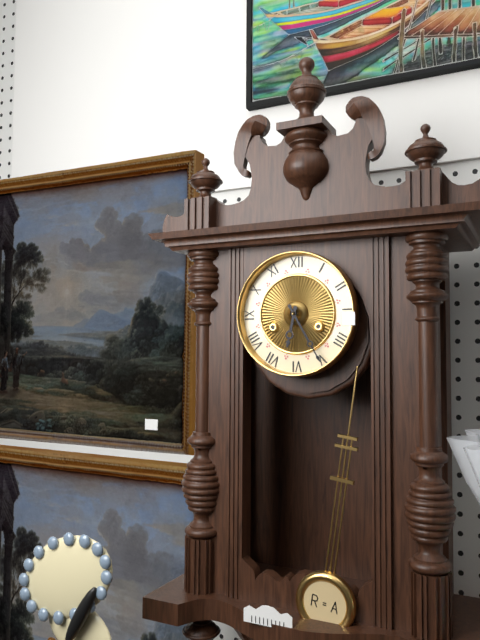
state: 6:25
